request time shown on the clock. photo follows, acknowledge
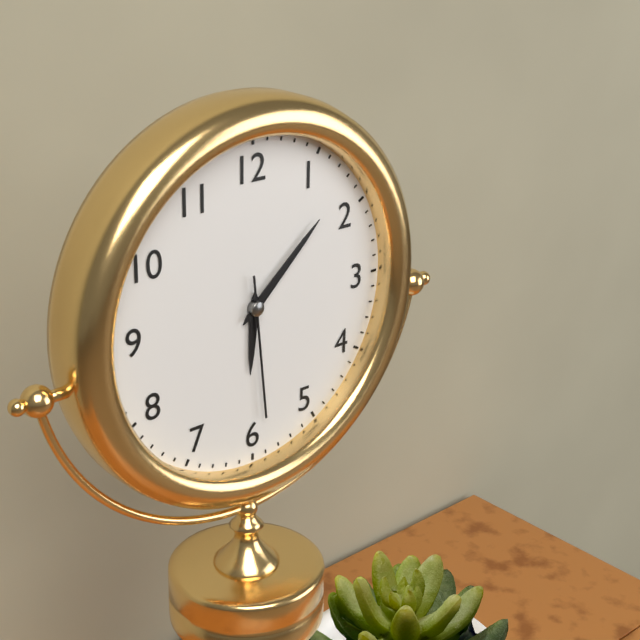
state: 6:08:29
